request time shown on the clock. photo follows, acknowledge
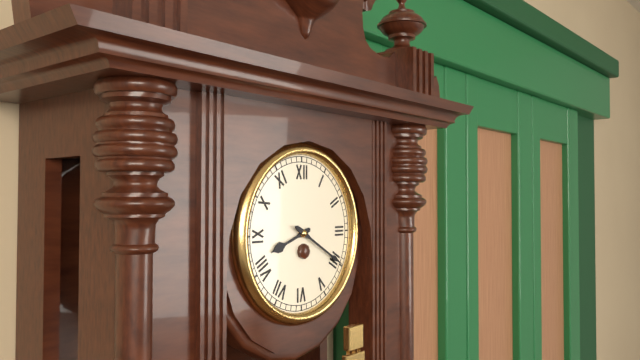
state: 8:20
